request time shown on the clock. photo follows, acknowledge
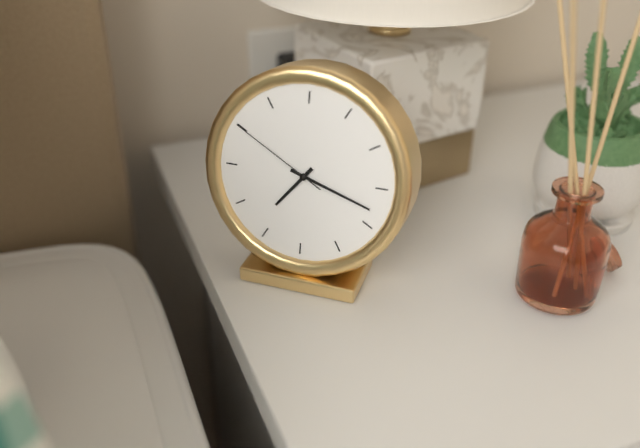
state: 7:18:50
